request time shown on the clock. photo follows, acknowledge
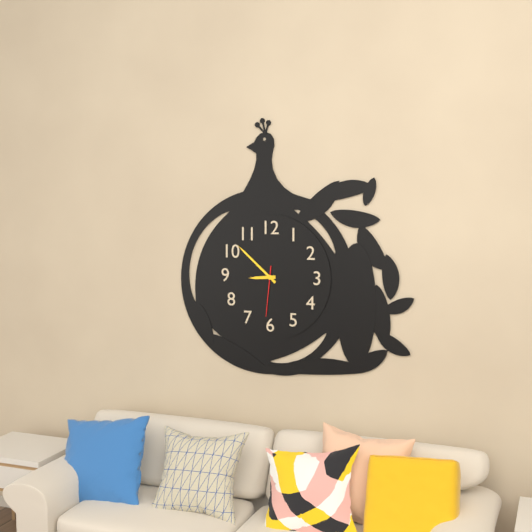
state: 8:52
